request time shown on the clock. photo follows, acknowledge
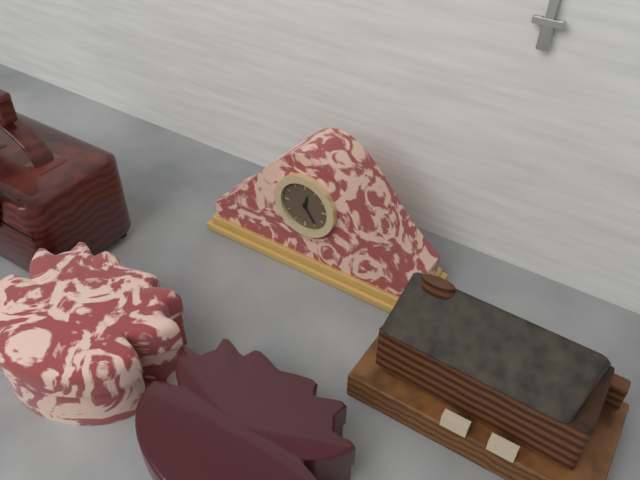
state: 12:24
